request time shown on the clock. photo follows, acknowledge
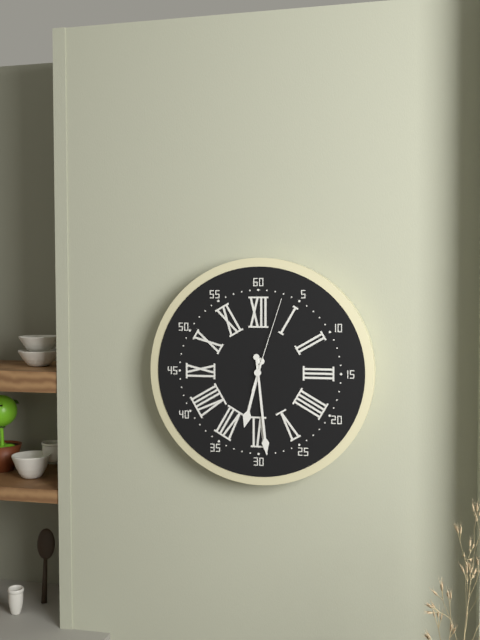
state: 6:29:03
